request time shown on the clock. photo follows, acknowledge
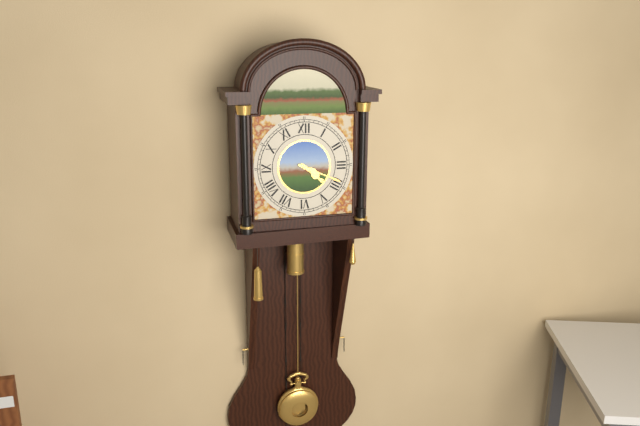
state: 4:19
